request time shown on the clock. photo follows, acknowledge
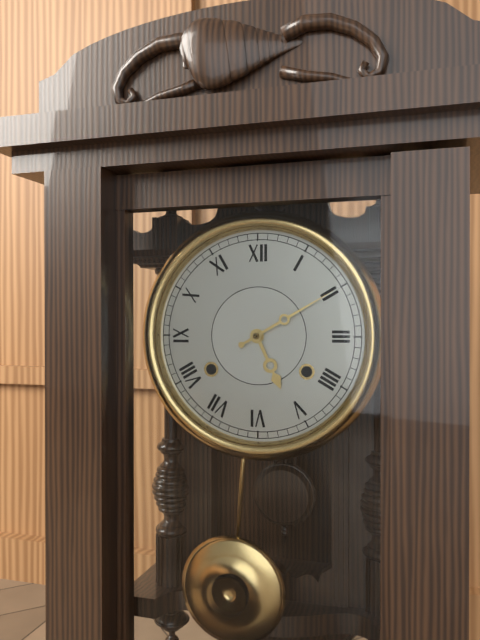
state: 5:10
